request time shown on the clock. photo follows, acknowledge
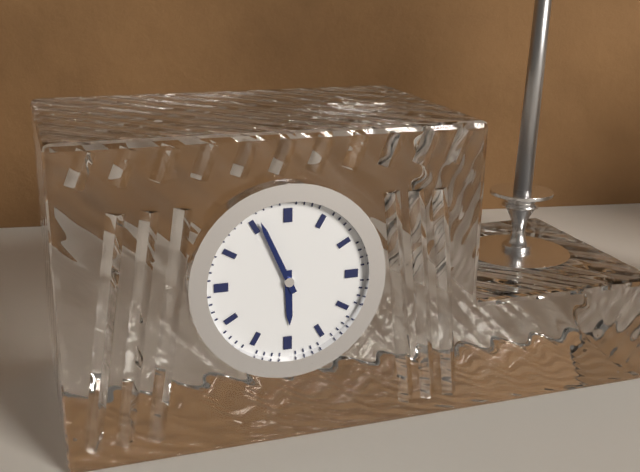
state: 5:56
